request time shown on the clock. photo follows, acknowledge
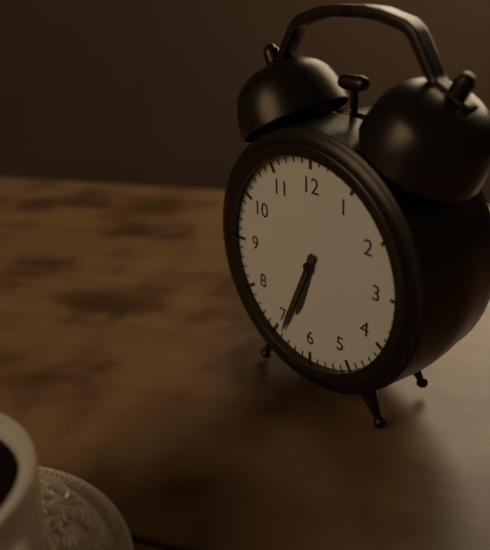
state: 6:34
